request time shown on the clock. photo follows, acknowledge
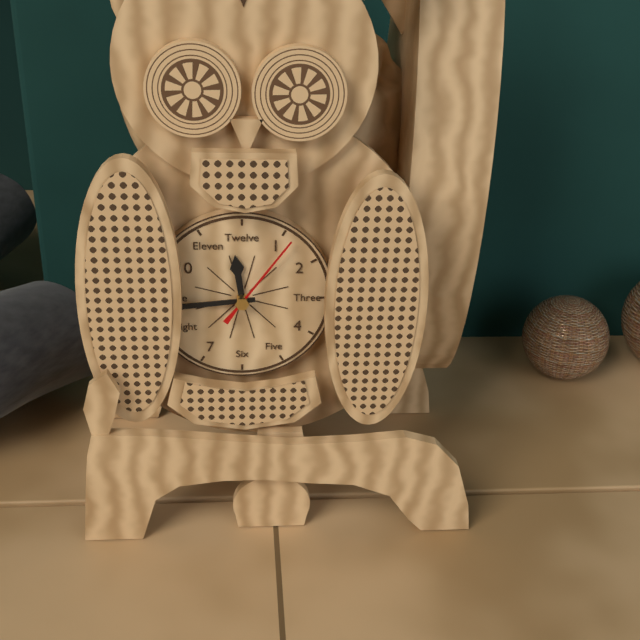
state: 11:44:06
